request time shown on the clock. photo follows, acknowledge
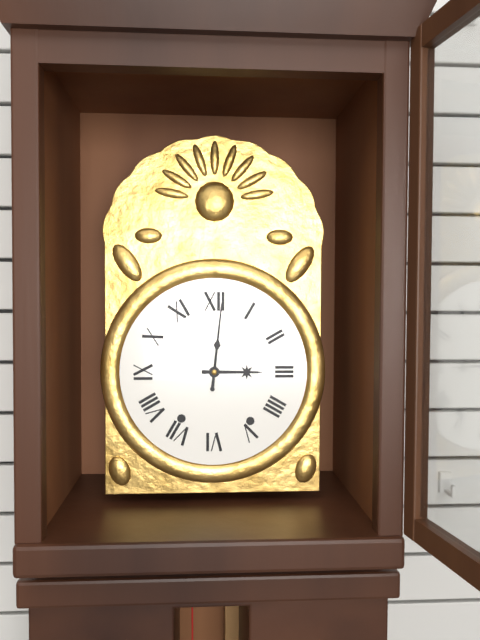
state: 3:01
